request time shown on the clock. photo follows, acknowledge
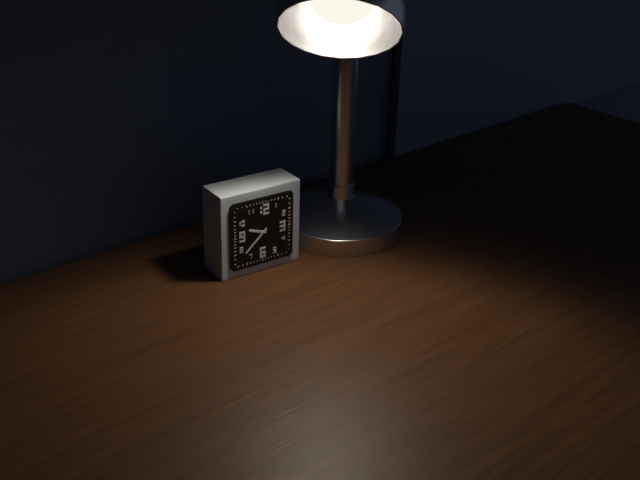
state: 9:38
